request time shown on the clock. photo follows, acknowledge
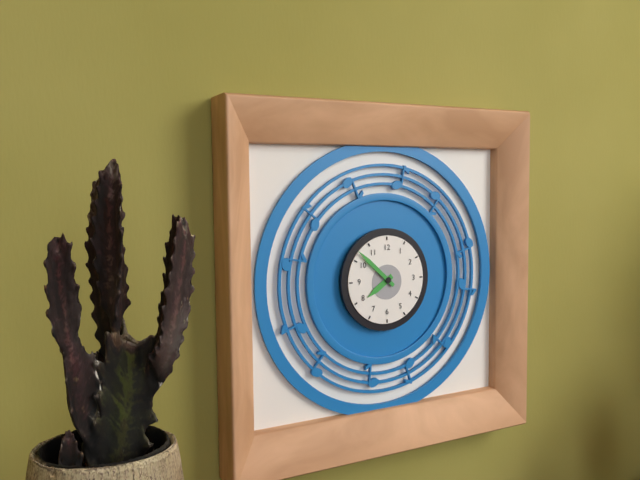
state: 7:52
